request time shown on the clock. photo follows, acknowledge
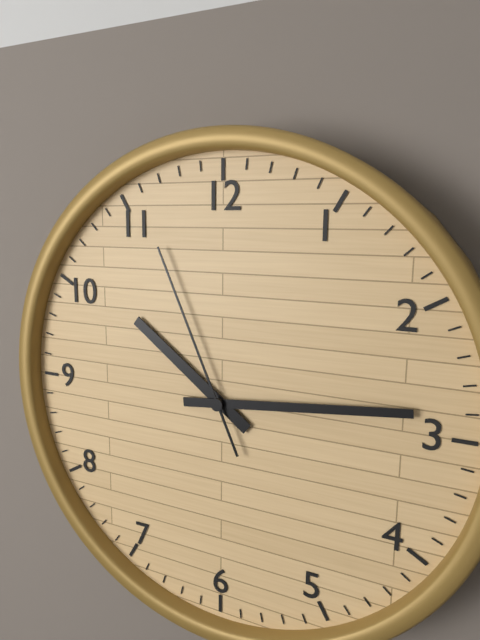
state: 10:14:56
